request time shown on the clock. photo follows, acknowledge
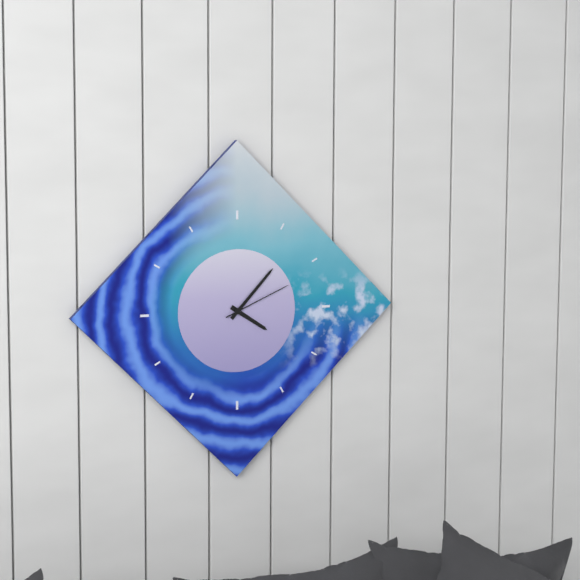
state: 4:07:11
